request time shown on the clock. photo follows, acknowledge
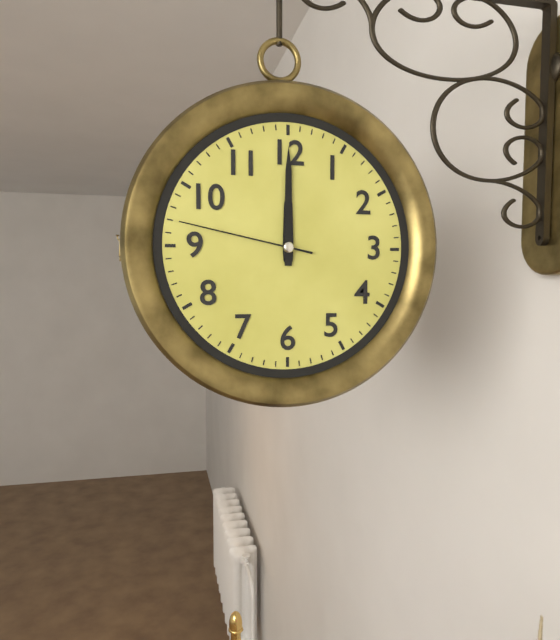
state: 12:00:47
